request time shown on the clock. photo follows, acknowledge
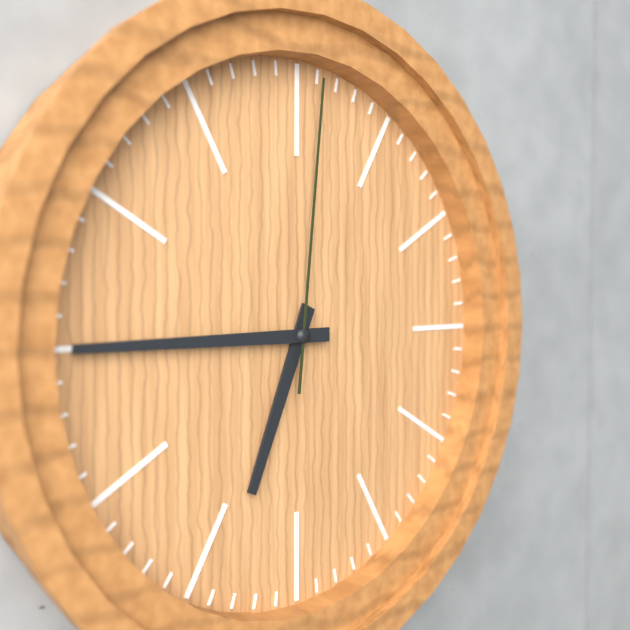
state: 6:45:01
